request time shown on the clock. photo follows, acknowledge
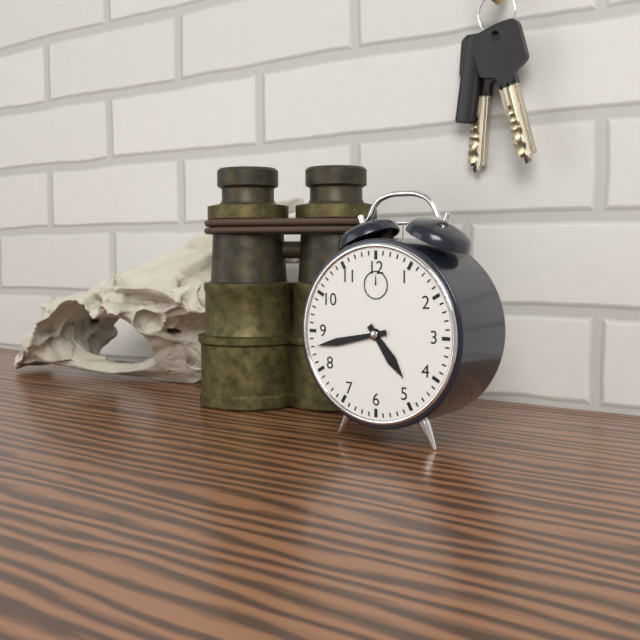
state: 4:43
